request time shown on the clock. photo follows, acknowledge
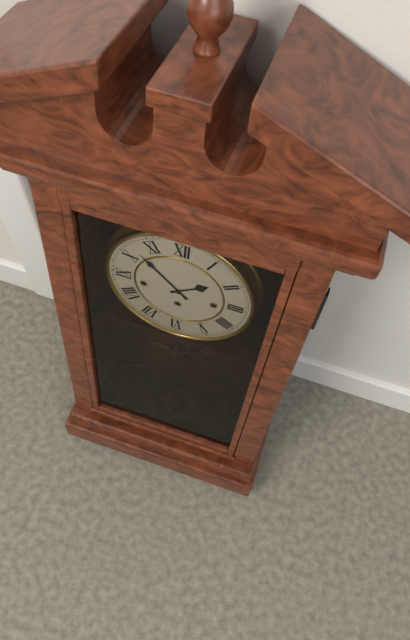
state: 1:52
